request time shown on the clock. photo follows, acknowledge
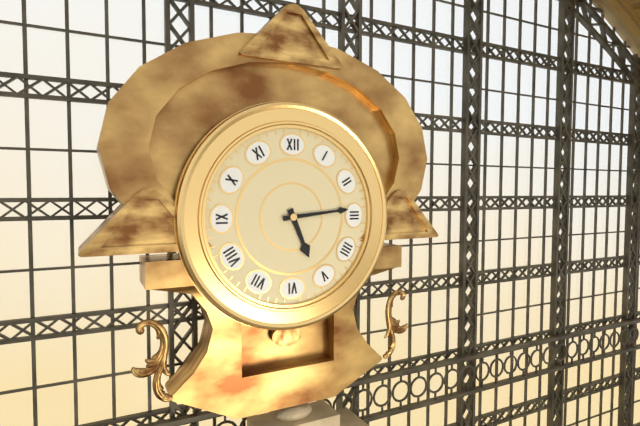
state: 5:14
